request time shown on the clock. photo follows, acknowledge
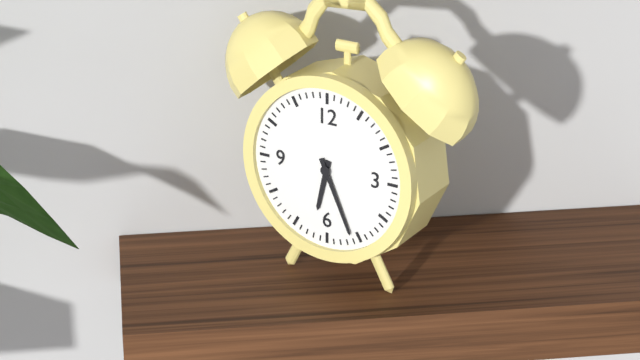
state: 6:26
